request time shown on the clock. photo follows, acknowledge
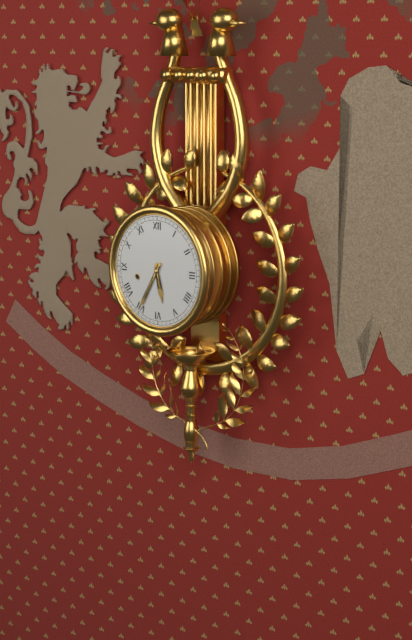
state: 5:35
